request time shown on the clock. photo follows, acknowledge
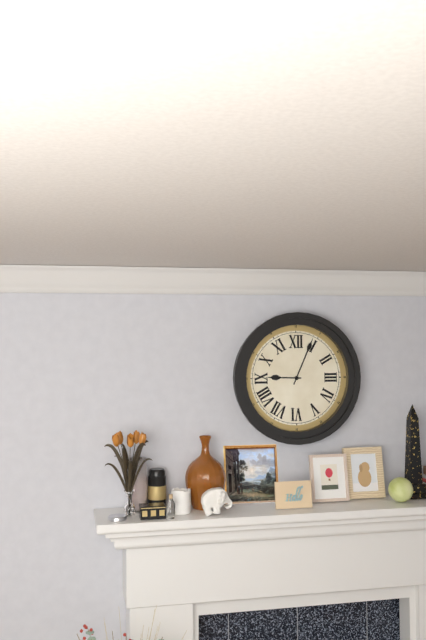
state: 9:04
